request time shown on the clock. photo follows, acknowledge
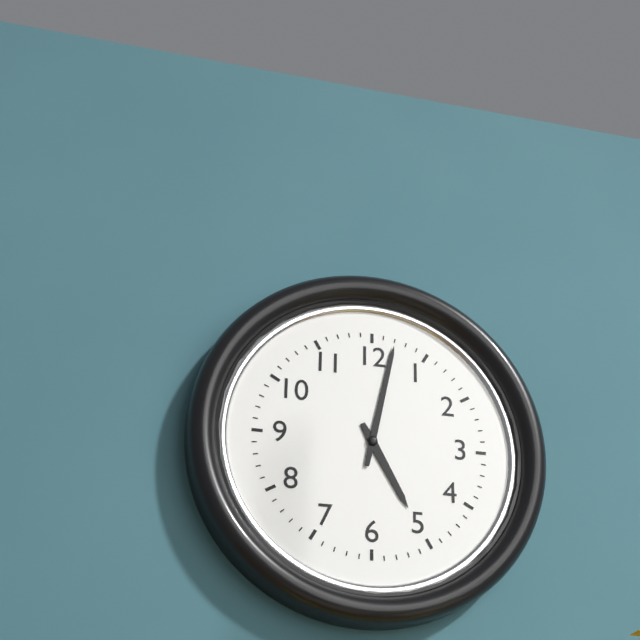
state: 5:02
